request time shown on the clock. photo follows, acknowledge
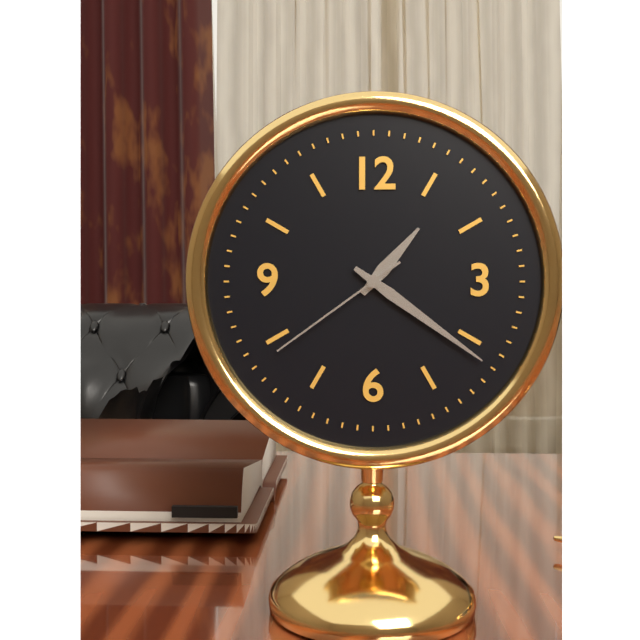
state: 1:21:39
